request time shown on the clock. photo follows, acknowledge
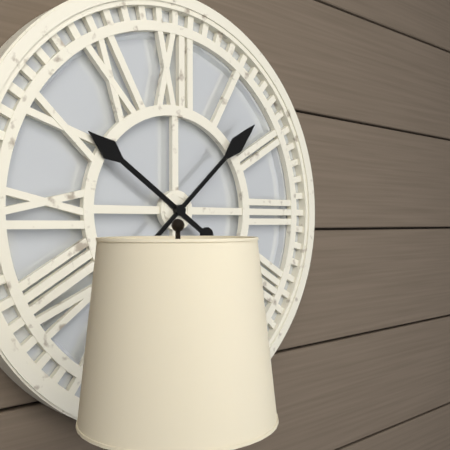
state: 10:08
